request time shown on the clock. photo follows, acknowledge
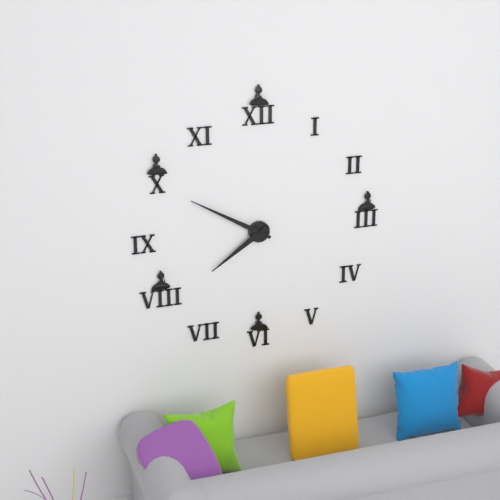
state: 7:50
